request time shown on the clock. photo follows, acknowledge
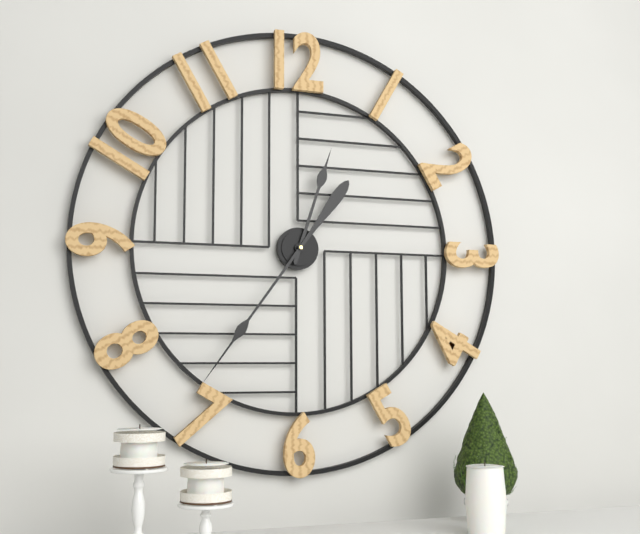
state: 12:36
